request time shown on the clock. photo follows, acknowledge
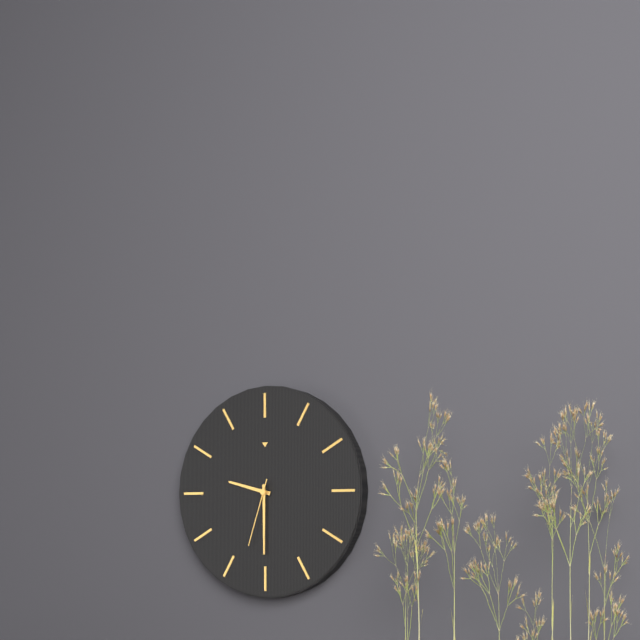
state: 9:30:33
